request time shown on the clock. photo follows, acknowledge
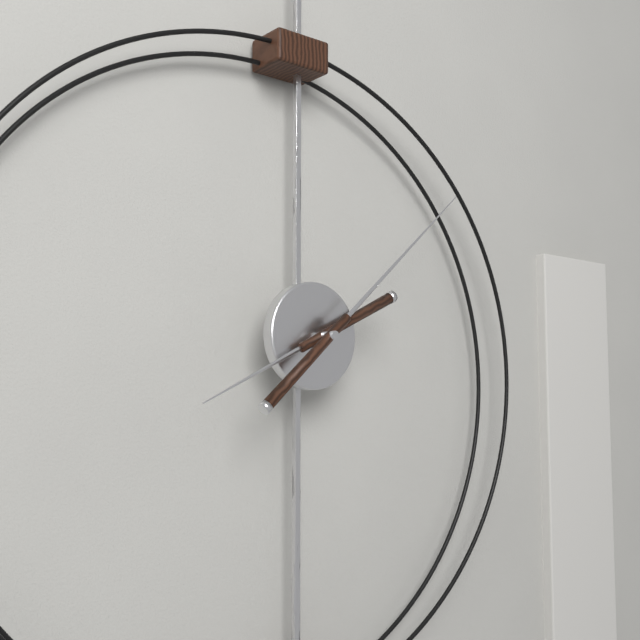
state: 8:08
